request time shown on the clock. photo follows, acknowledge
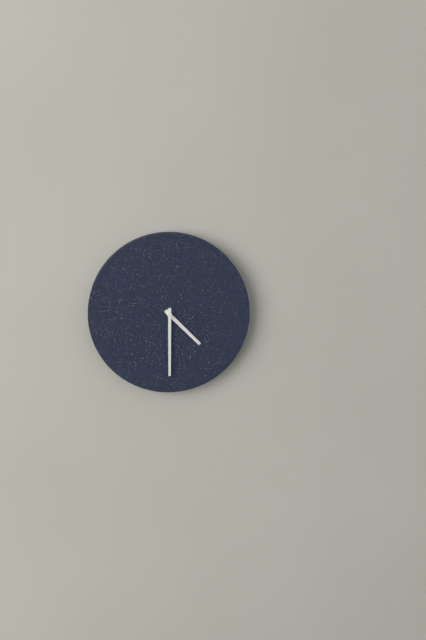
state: 4:30
